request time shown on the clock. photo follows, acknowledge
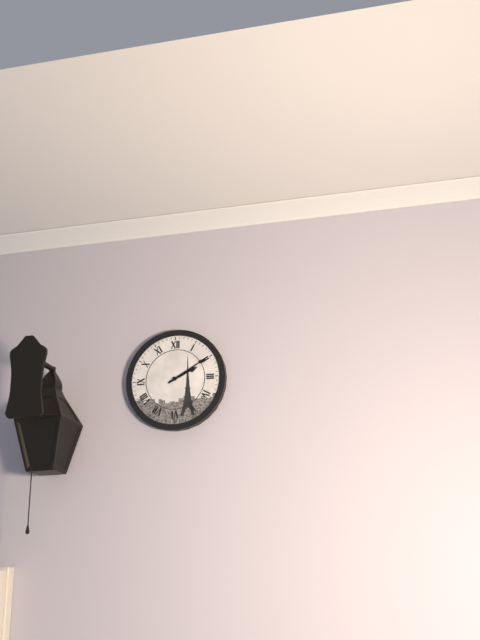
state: 2:10
